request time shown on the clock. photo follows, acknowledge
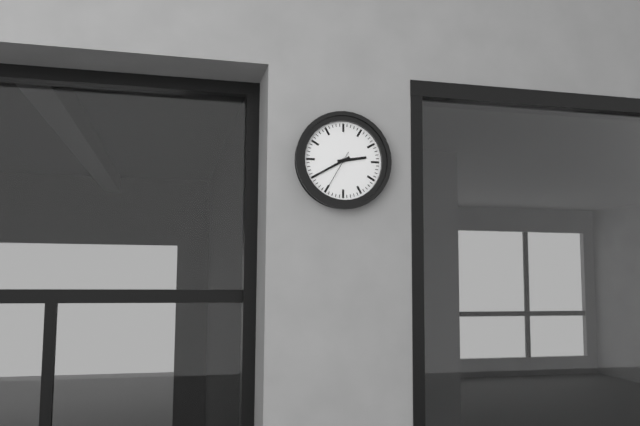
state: 2:40
